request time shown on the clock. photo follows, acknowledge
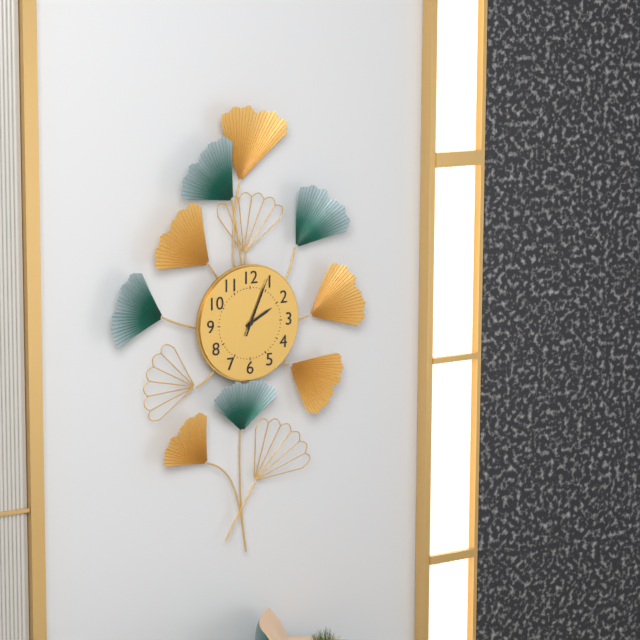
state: 2:04:04
